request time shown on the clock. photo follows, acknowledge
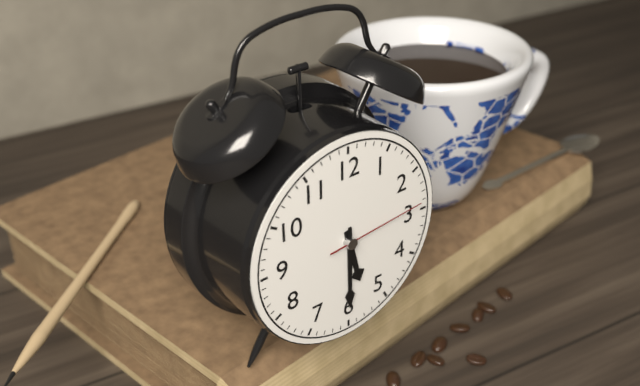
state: 5:30:14
